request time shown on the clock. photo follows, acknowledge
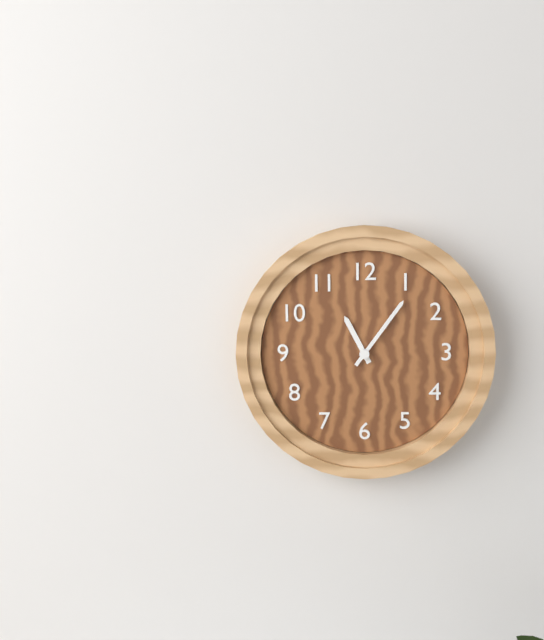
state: 11:06
